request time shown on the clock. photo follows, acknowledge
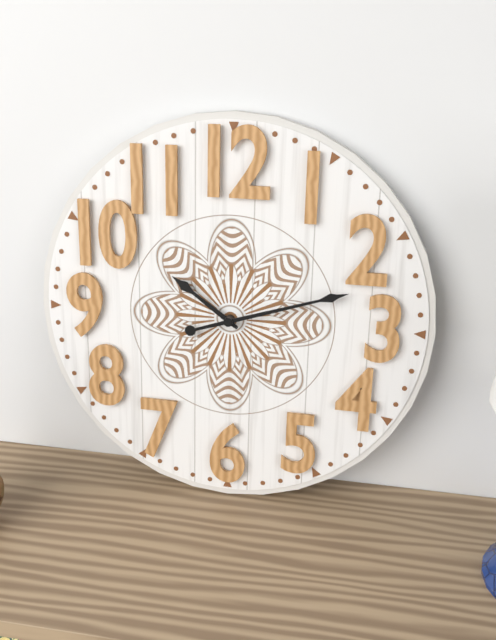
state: 10:12
